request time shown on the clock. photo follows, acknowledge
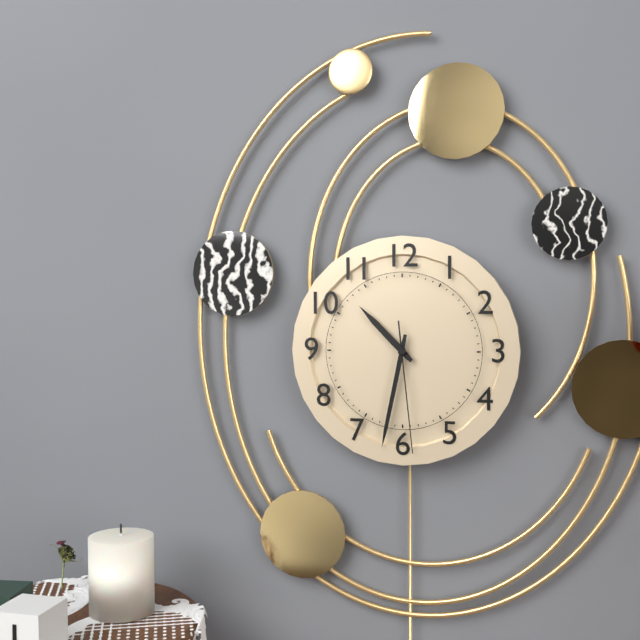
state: 10:32:29
